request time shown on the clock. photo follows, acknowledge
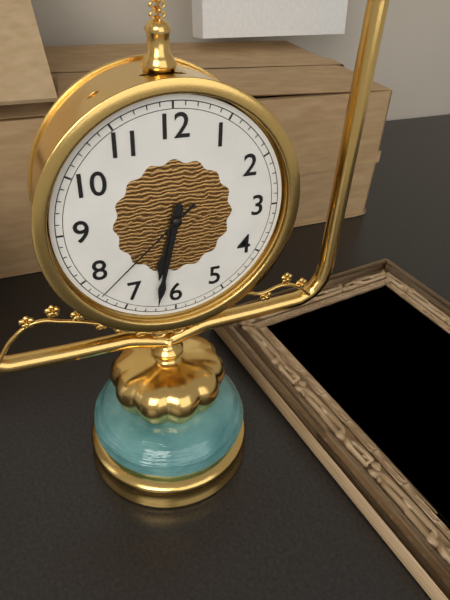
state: 6:32:38
